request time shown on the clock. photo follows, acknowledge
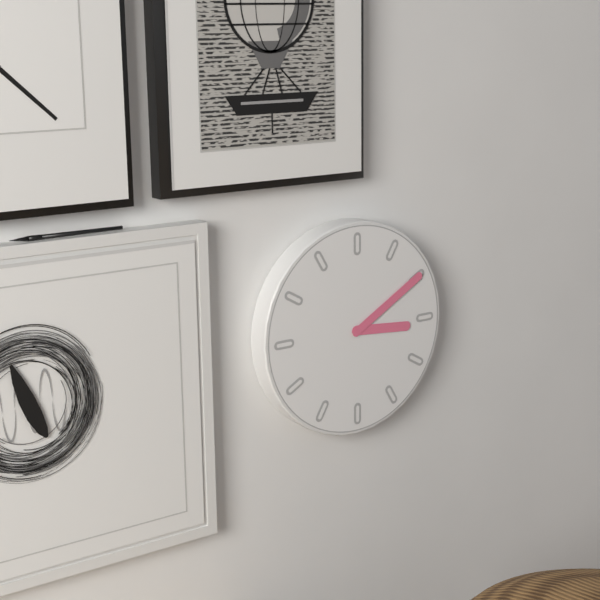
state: 3:10
